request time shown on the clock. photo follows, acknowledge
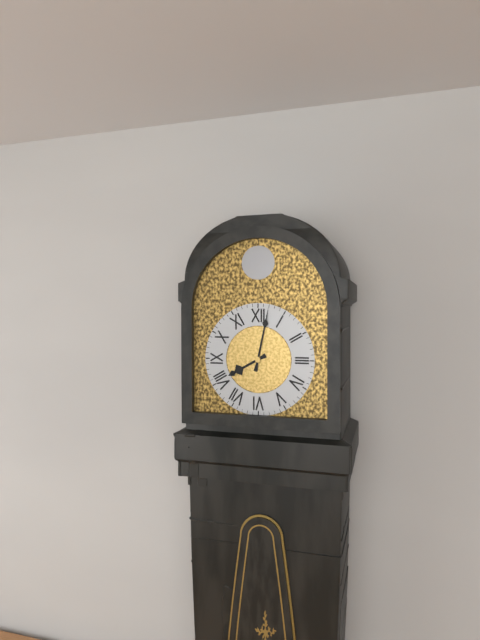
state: 8:02
